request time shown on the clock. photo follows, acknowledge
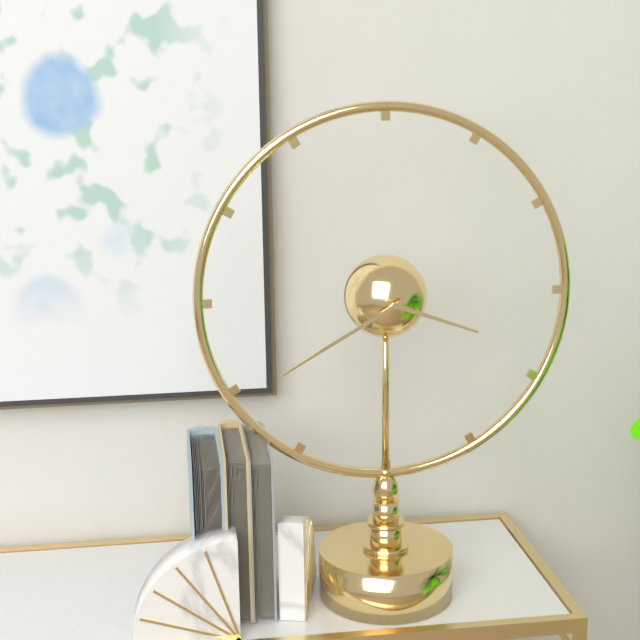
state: 3:40
